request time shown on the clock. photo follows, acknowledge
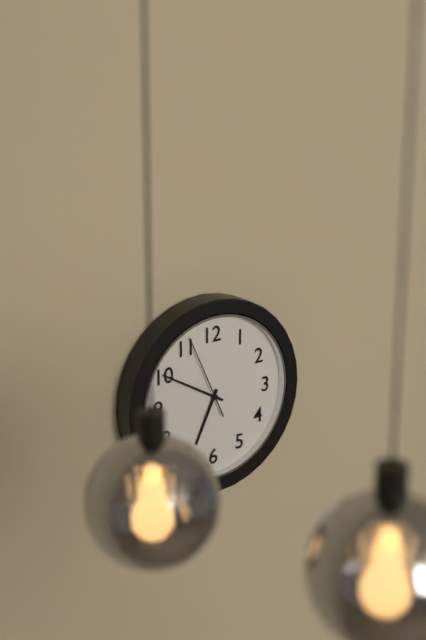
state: 6:50:56
